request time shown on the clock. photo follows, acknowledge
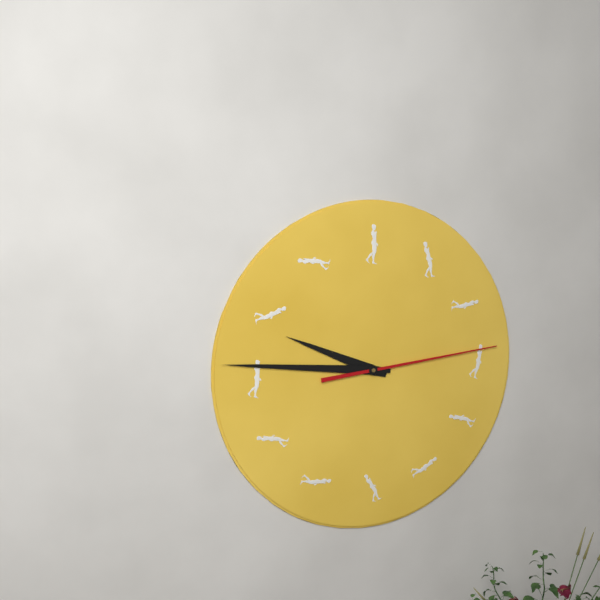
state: 9:46:14
